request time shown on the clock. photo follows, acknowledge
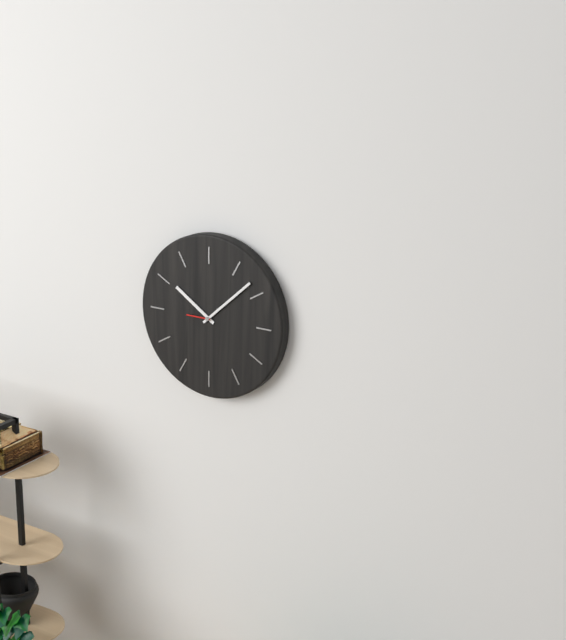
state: 10:08
